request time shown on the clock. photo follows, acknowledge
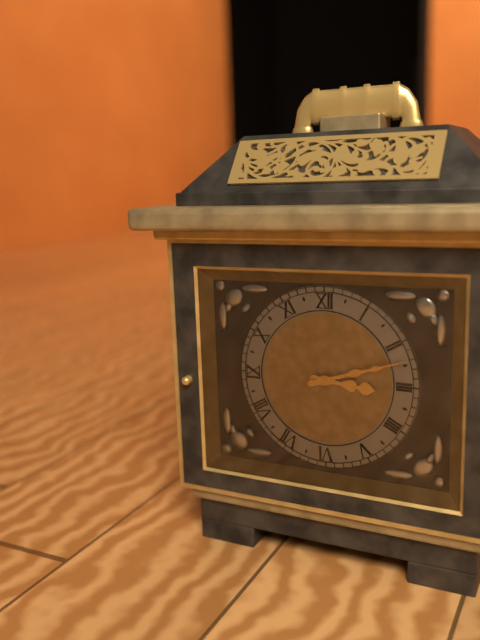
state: 3:12
